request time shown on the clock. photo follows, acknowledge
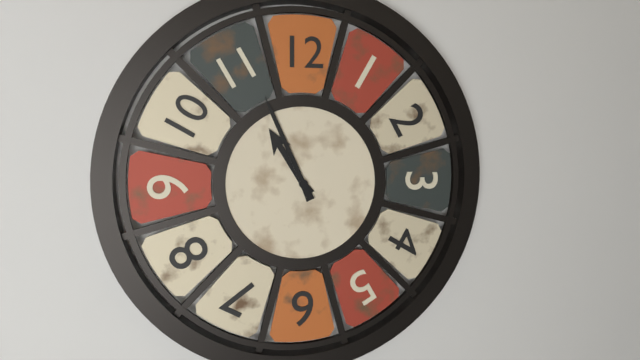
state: 10:56
